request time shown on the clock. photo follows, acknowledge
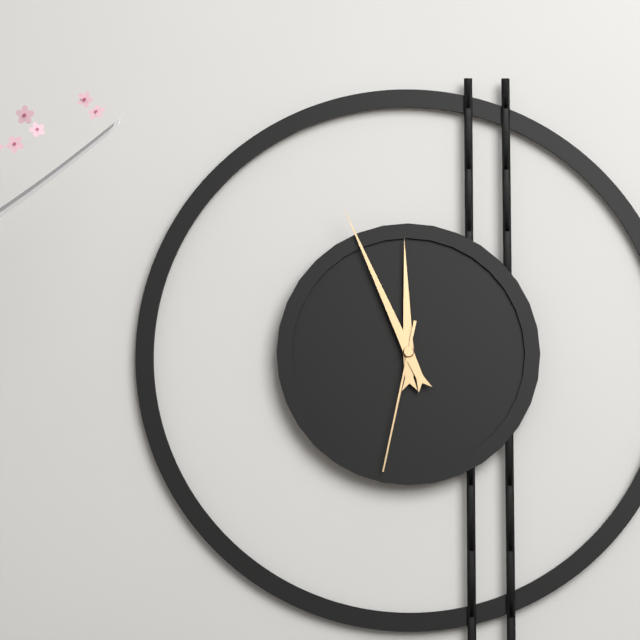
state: 11:56:32
